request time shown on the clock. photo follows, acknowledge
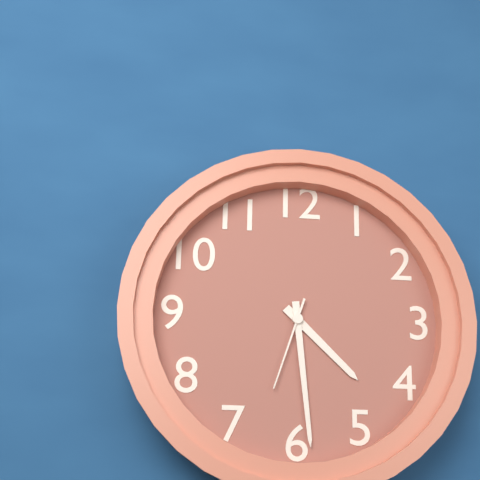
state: 4:29:33
